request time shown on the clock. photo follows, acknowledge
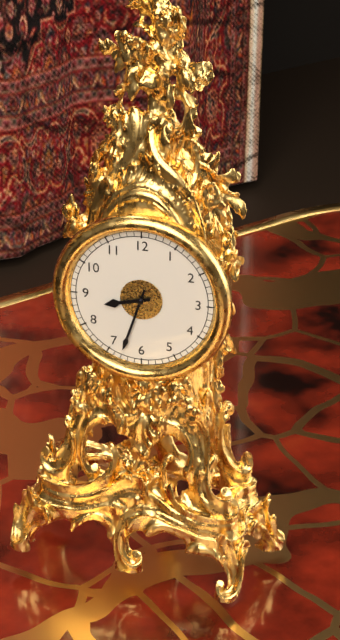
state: 8:33
